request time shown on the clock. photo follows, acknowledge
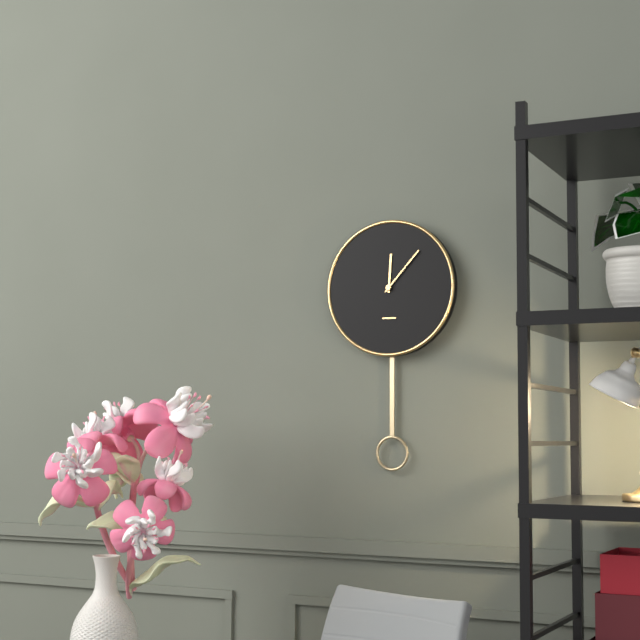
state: 12:07
